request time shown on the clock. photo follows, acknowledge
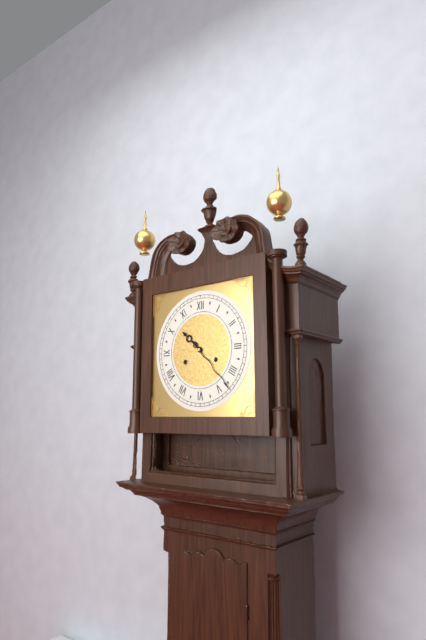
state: 10:23
